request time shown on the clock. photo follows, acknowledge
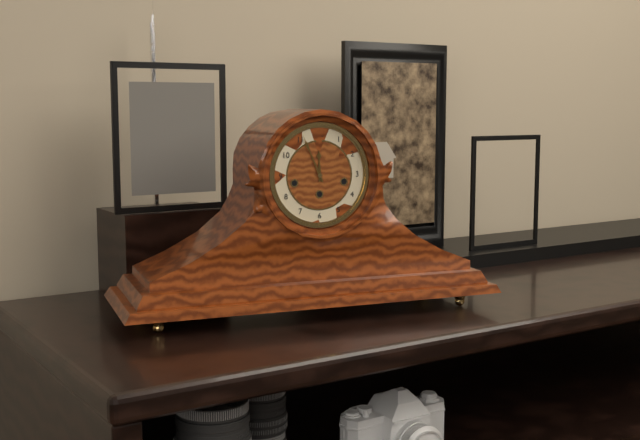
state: 11:56
